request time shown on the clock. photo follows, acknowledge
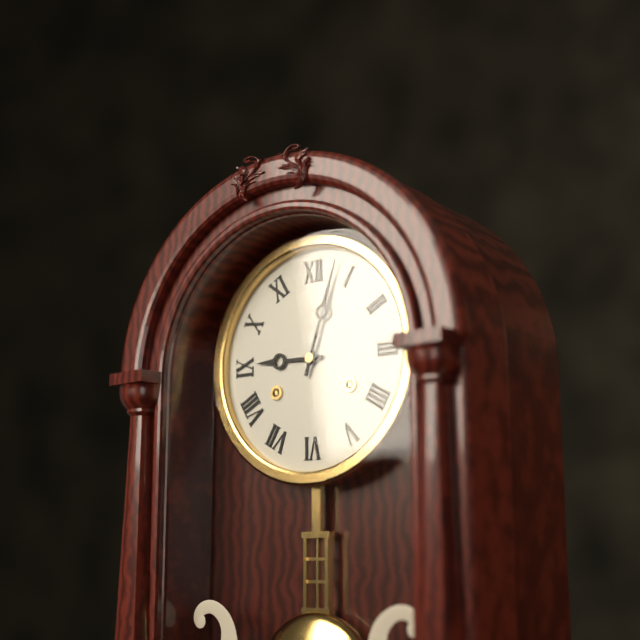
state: 9:03
